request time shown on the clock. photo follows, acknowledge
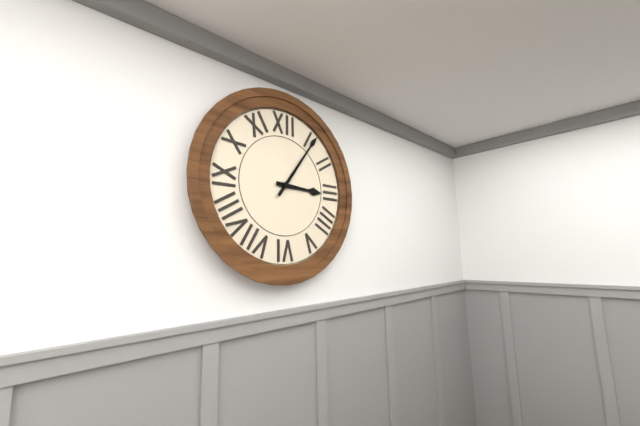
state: 3:06
